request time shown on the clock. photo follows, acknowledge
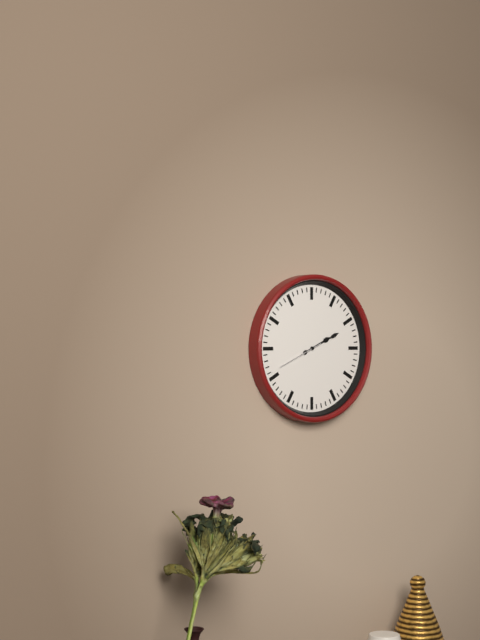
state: 2:11
